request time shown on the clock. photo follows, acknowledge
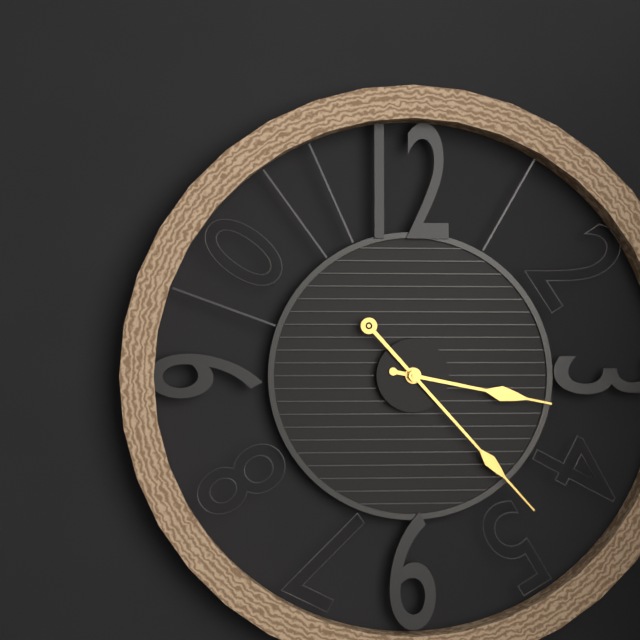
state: 3:23
